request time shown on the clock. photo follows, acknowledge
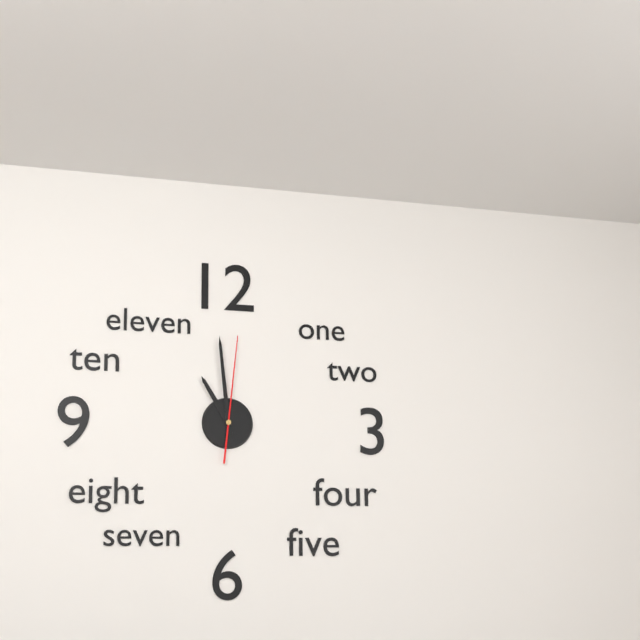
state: 10:59:01
